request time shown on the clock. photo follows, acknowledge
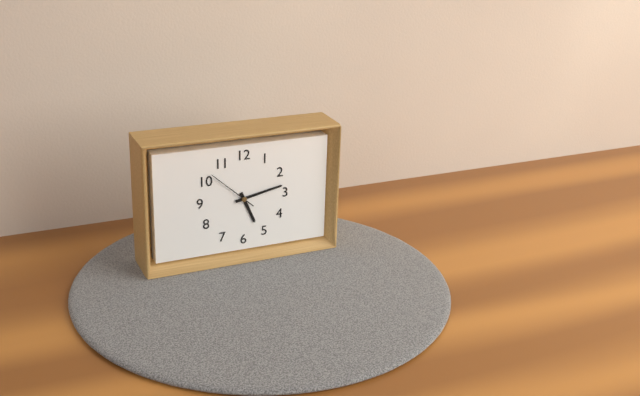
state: 5:13:52
